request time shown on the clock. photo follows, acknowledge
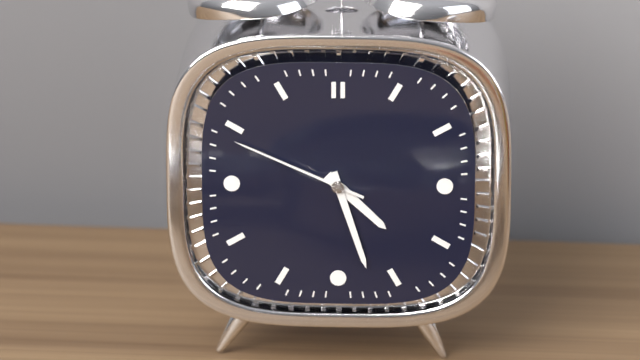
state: 4:27:49
